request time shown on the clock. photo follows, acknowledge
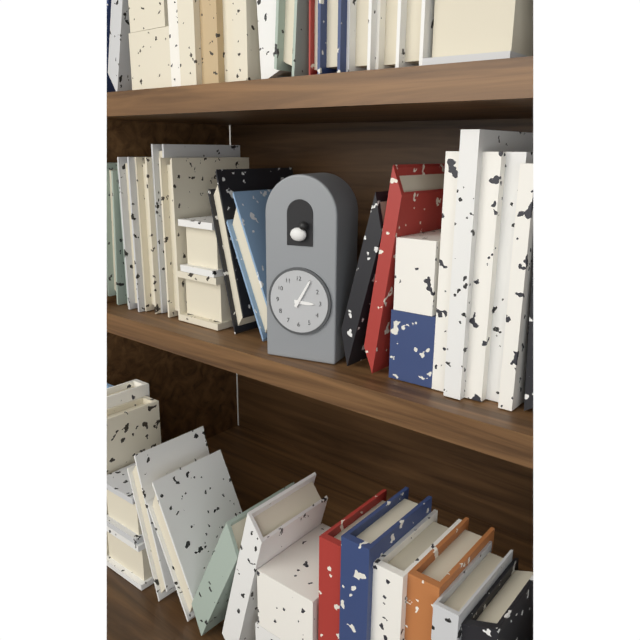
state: 3:05
